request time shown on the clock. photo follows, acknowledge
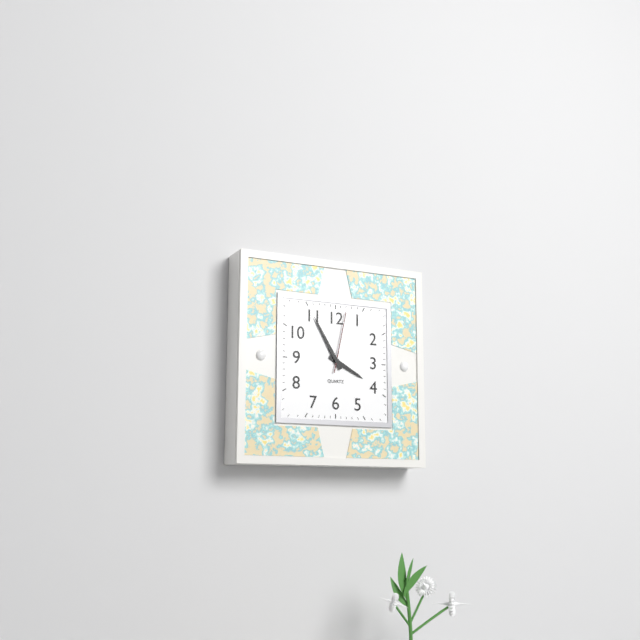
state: 3:55:02
